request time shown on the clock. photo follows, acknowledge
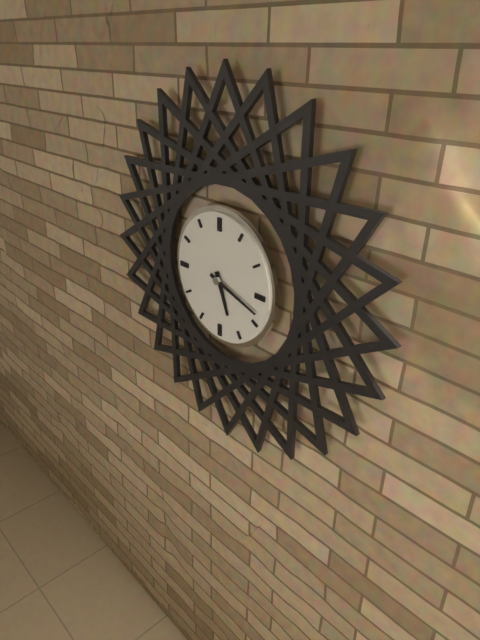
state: 5:18
